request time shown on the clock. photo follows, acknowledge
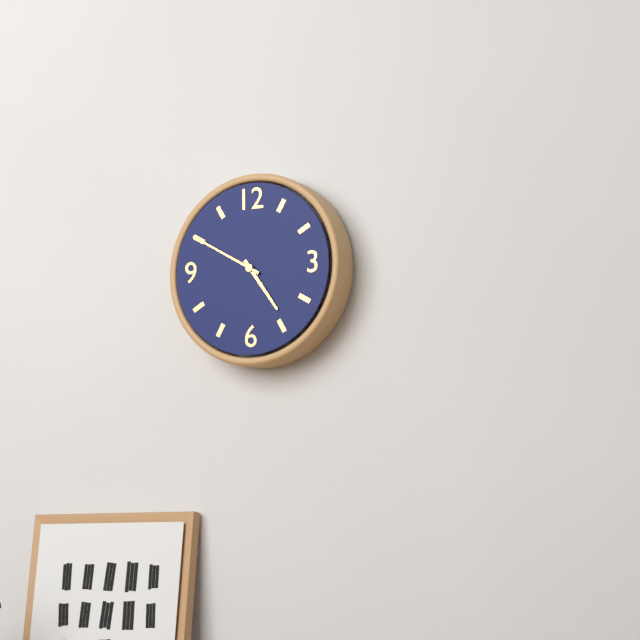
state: 4:50
